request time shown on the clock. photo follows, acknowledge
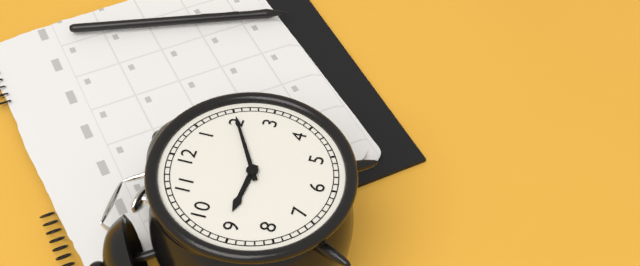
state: 9:10
